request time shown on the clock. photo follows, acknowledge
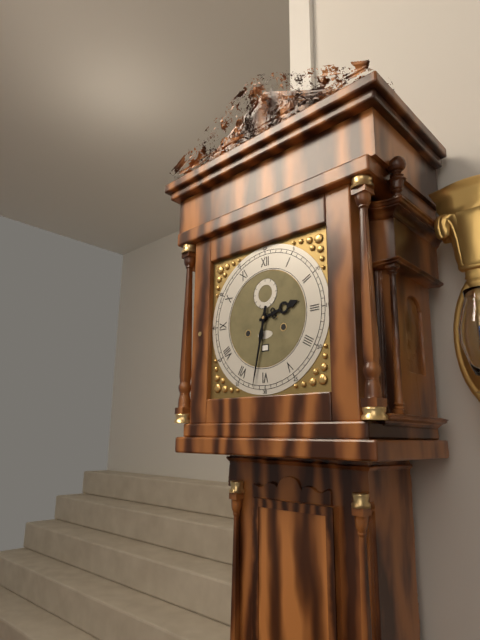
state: 2:32
